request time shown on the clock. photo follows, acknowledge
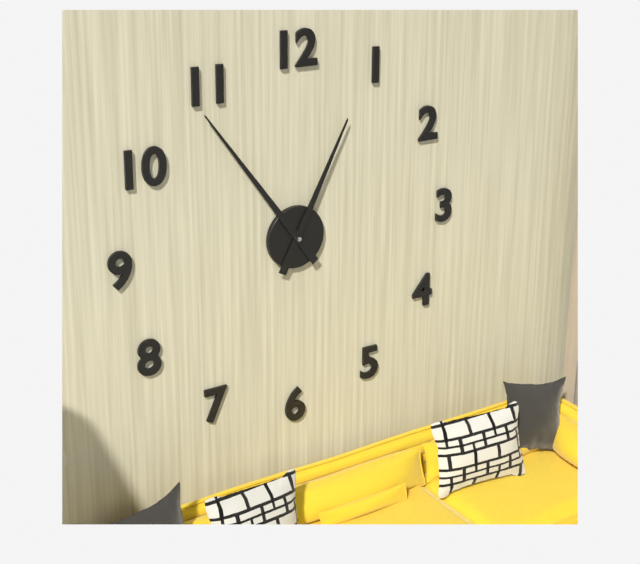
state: 12:54
